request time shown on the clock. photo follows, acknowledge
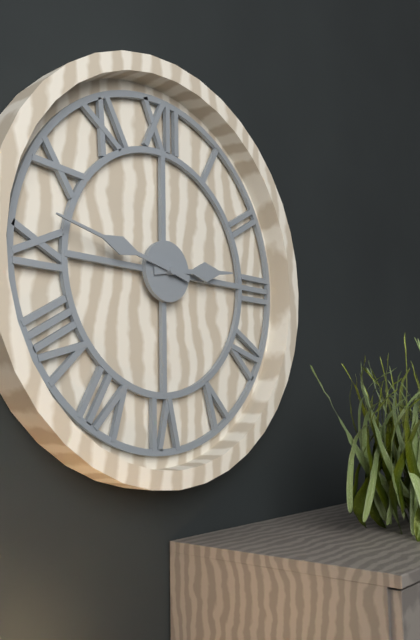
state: 2:47
